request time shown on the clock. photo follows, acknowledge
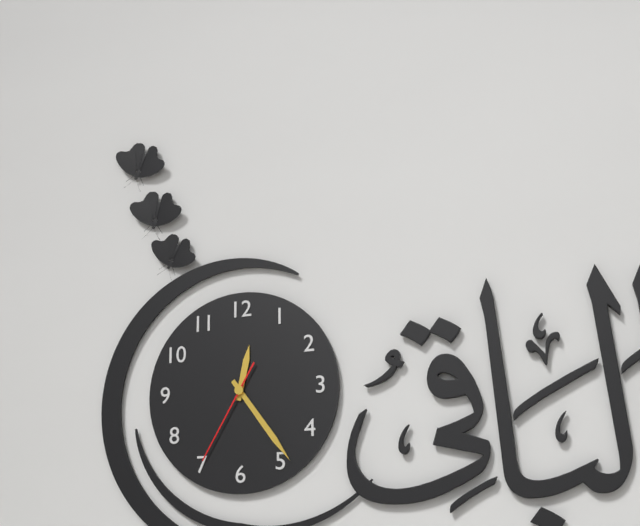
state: 12:24:35
